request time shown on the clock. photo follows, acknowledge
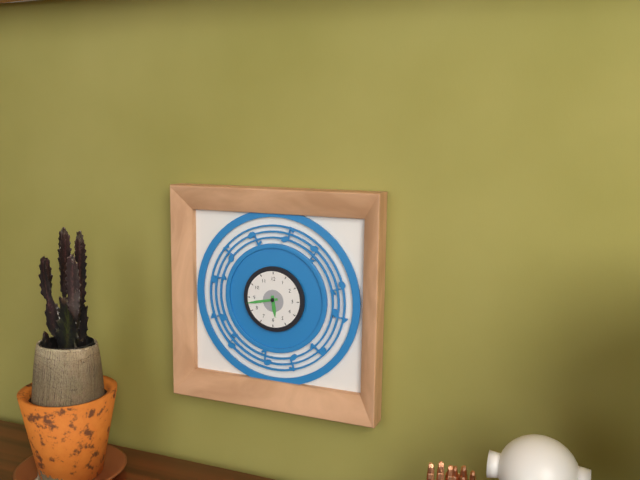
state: 5:43
